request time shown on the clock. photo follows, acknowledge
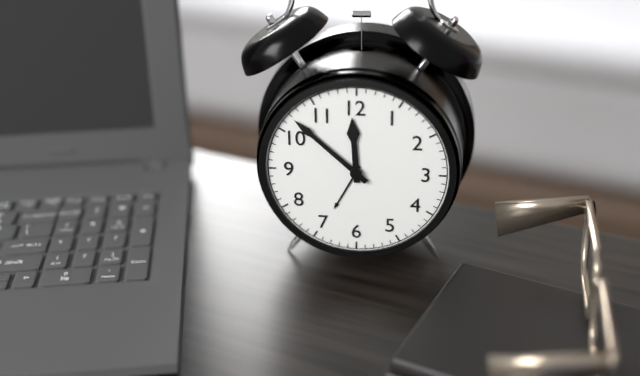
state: 11:52
